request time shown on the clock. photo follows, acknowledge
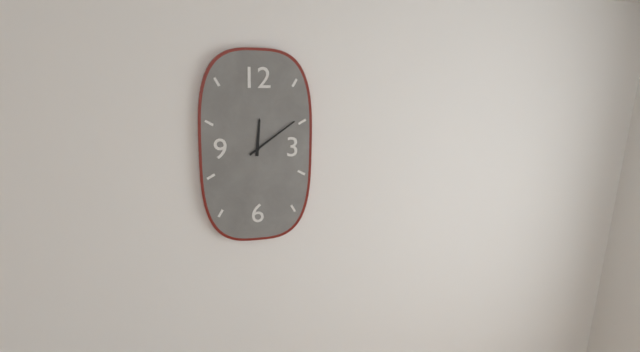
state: 12:09
